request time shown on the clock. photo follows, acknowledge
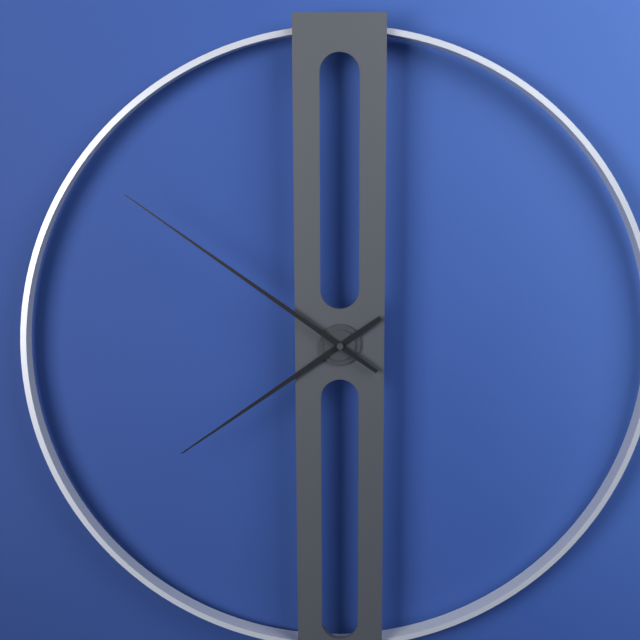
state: 7:51
